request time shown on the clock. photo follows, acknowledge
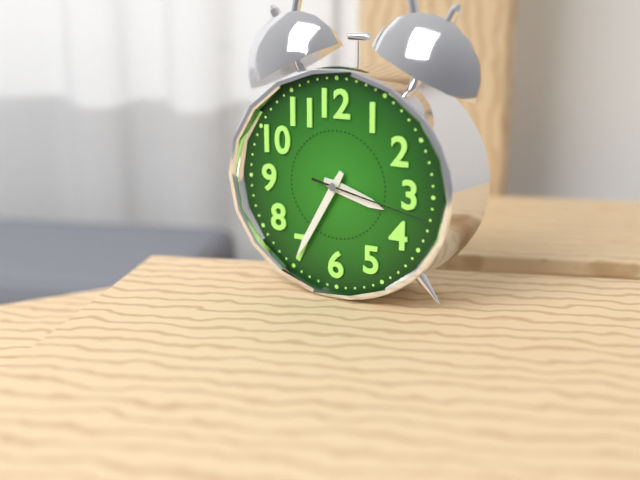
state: 3:35:17
